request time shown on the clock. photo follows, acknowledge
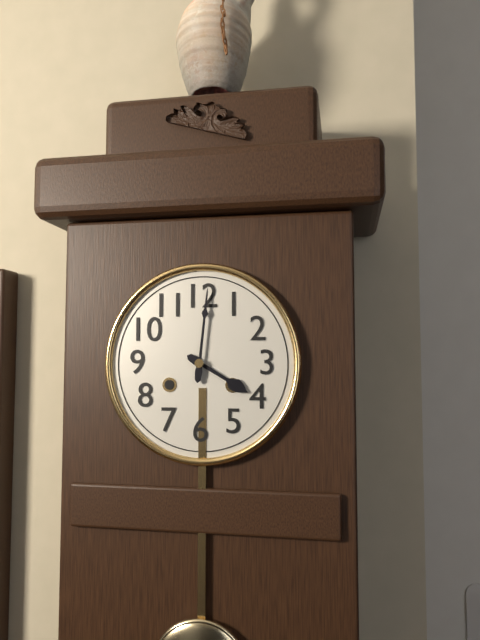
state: 4:01
